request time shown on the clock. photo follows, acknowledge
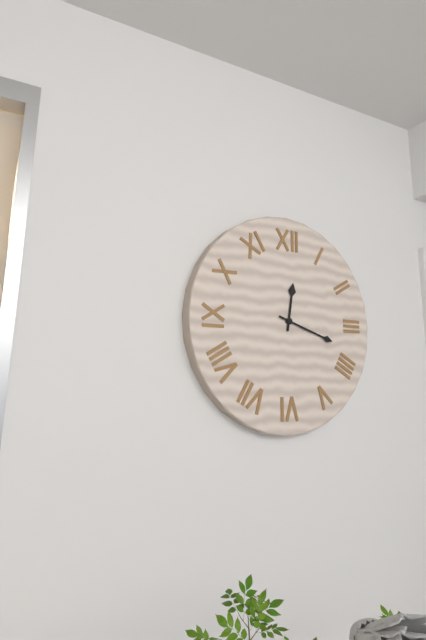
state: 12:18
